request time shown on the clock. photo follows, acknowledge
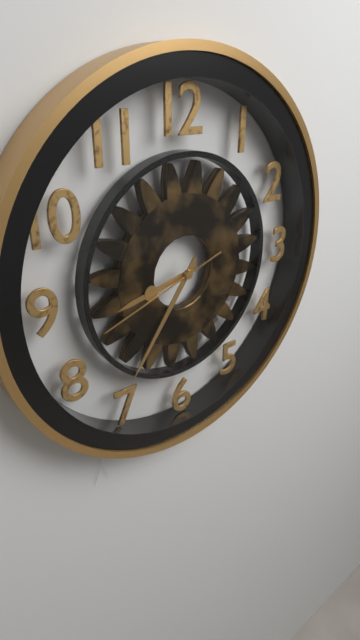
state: 8:36:42
